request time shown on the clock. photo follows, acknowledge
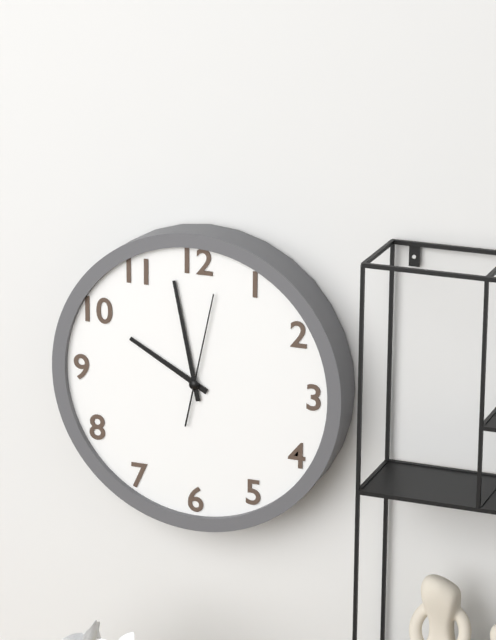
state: 9:58:02
